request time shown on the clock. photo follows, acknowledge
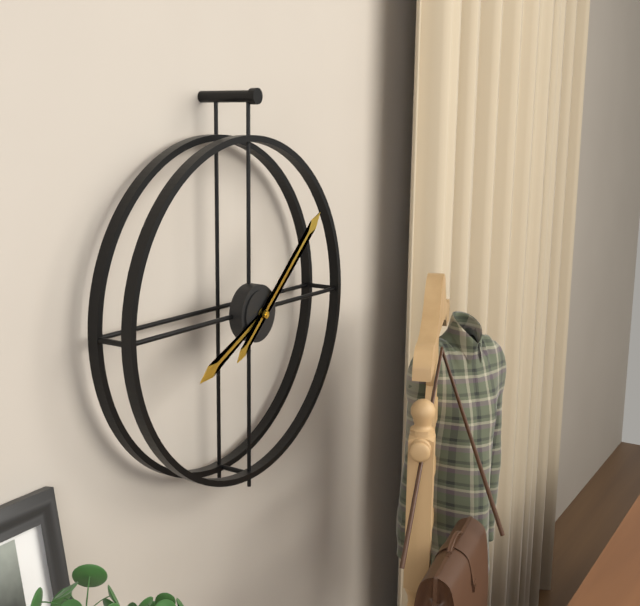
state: 8:08
